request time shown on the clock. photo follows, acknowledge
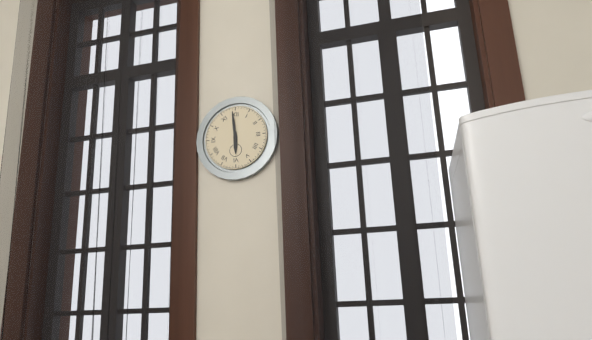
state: 5:59
